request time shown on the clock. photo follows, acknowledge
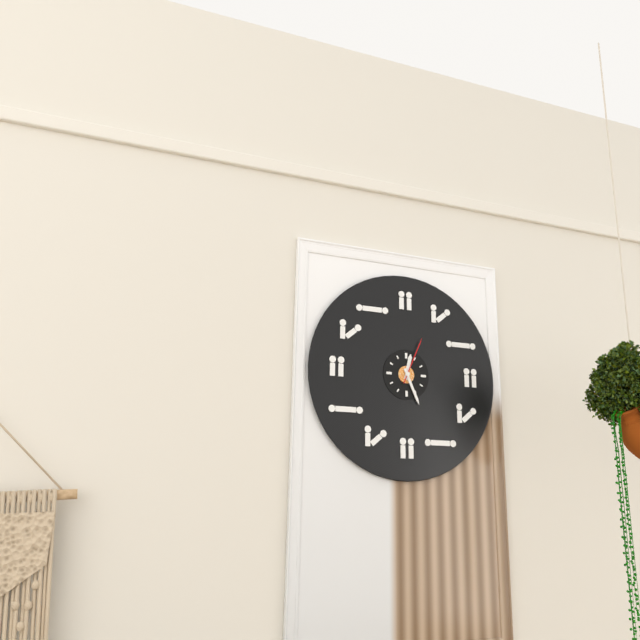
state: 12:26:04
